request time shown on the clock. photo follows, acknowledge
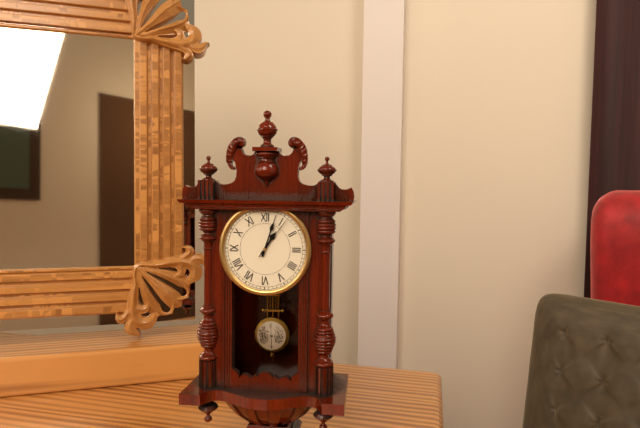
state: 1:03
